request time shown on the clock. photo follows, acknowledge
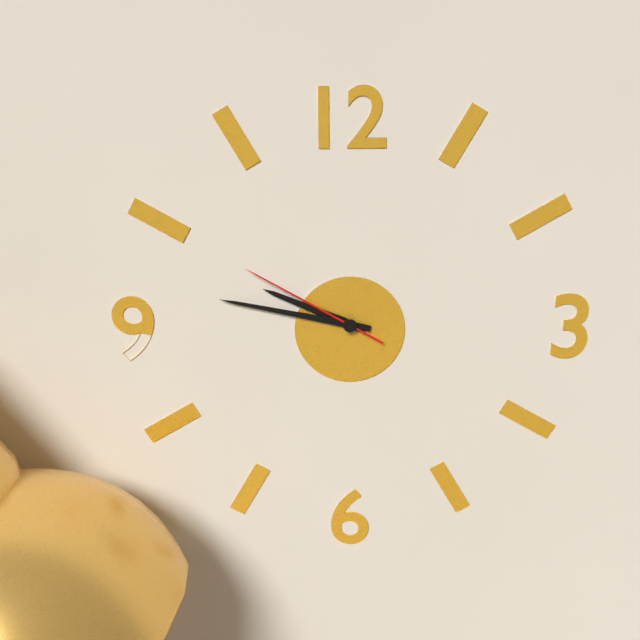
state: 9:47:50
